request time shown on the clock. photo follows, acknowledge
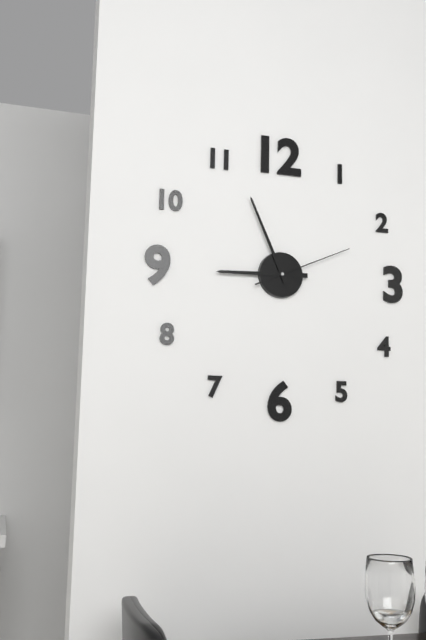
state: 8:56:11
